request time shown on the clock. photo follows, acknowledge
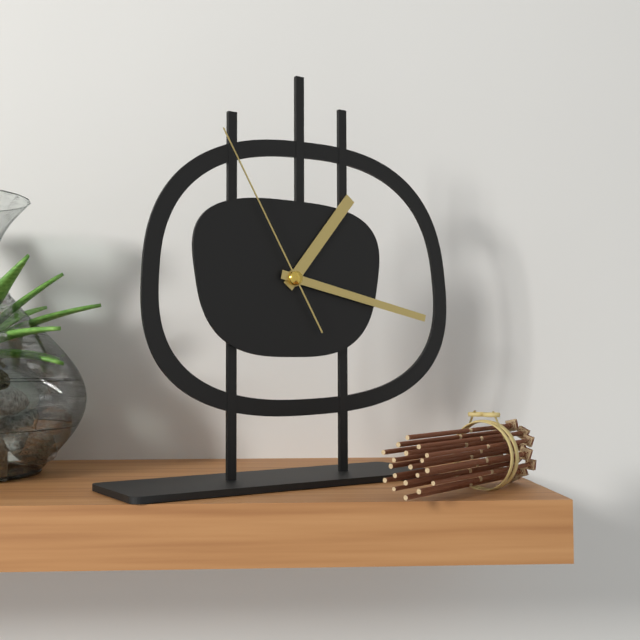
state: 1:17:55
